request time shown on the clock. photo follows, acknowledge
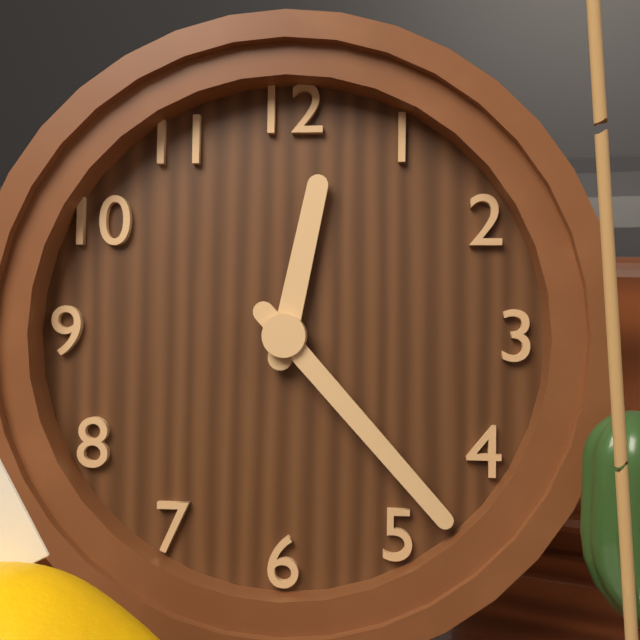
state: 12:23
